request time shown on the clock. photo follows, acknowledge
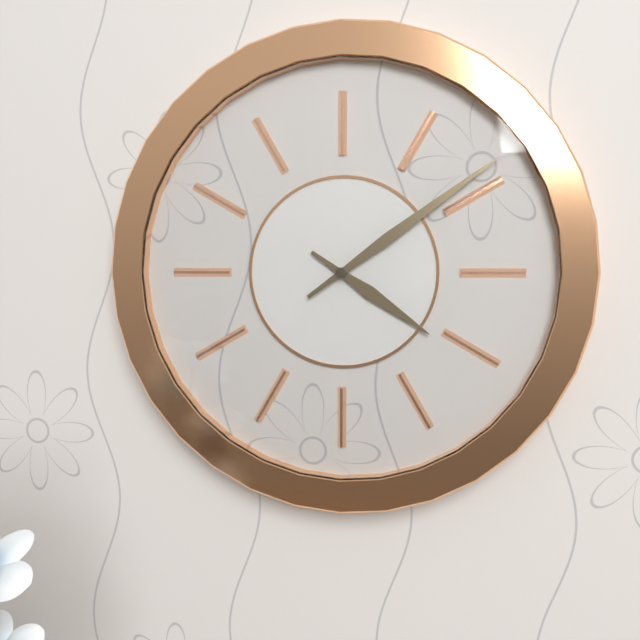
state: 4:09
